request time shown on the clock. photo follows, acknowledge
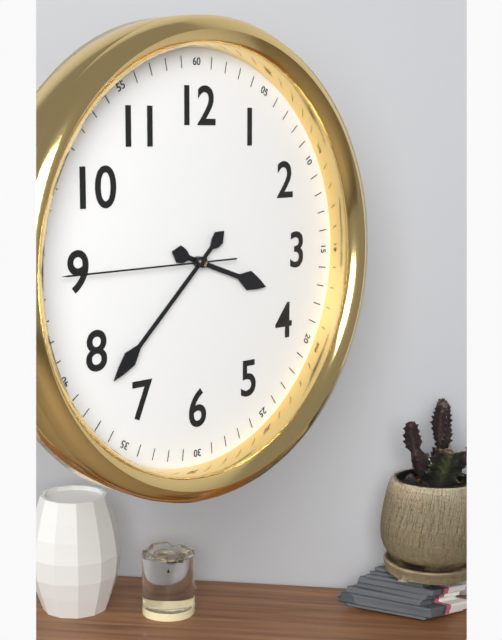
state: 3:38:45
